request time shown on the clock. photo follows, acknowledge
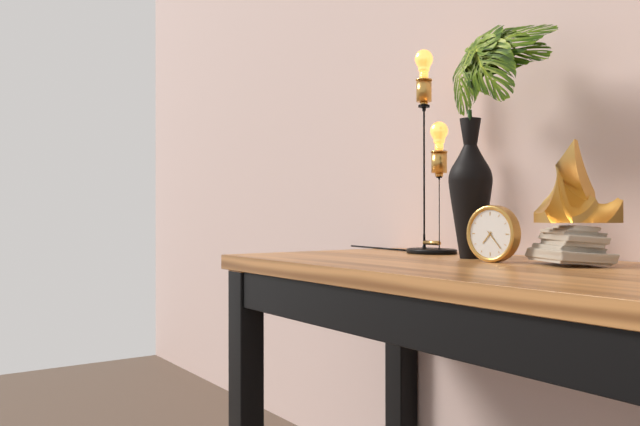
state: 7:23
